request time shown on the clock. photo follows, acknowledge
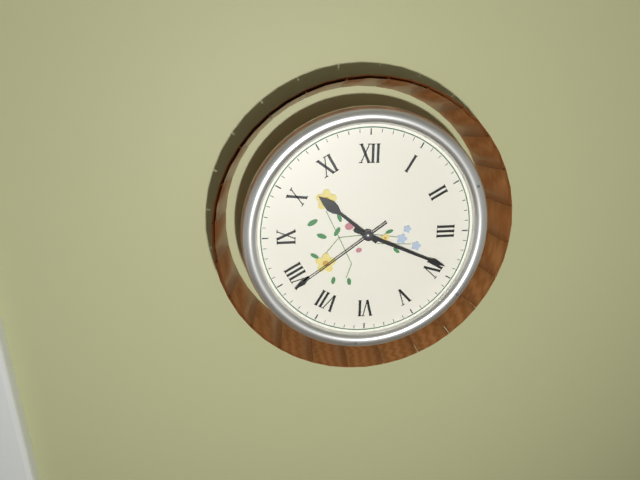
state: 10:19:39
